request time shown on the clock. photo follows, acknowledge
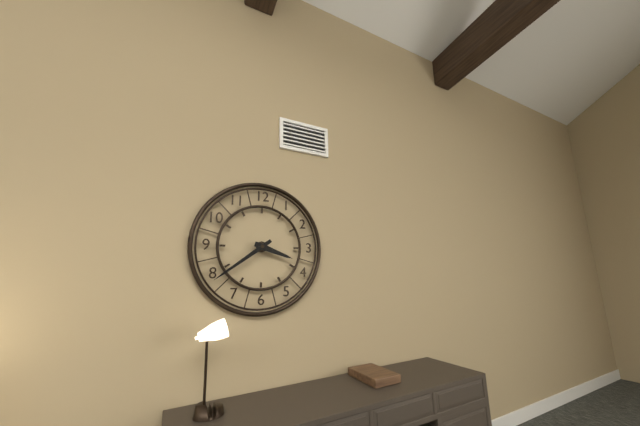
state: 3:39
